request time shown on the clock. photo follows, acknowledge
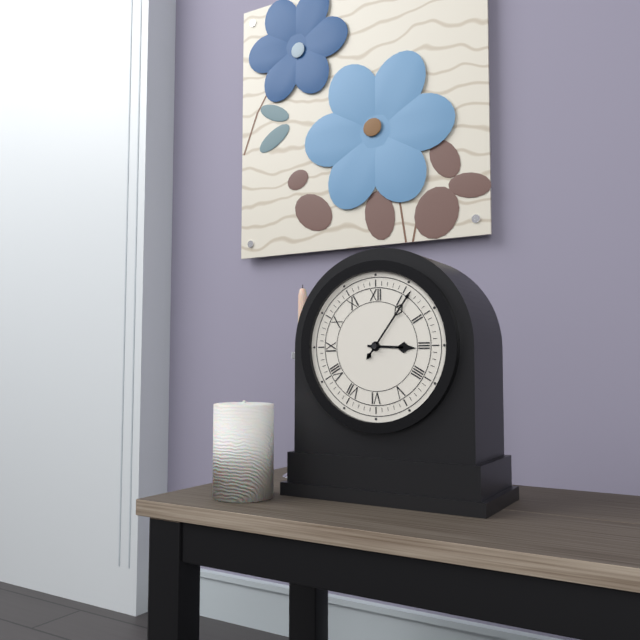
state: 3:06
